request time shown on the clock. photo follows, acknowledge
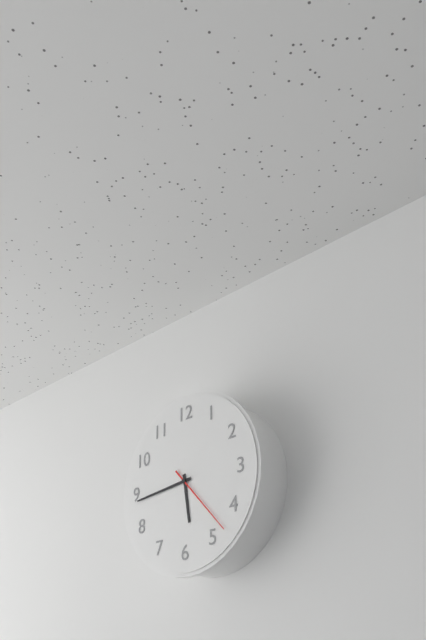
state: 5:44:23
